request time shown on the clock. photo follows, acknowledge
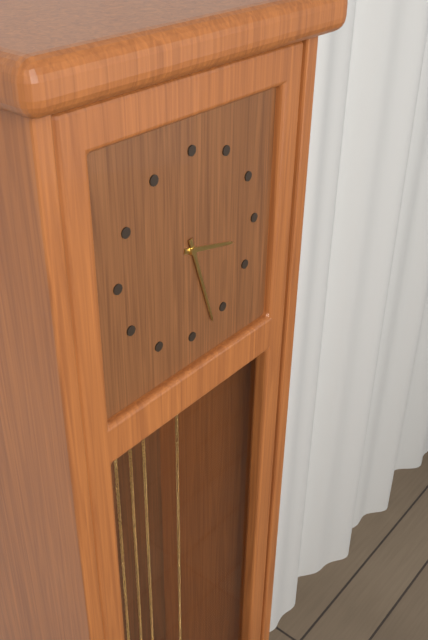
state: 3:27
